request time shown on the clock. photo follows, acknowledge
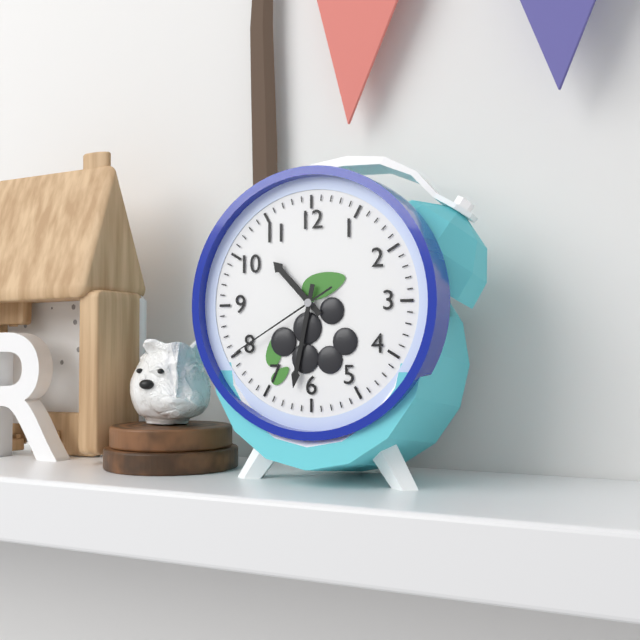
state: 10:32:40
